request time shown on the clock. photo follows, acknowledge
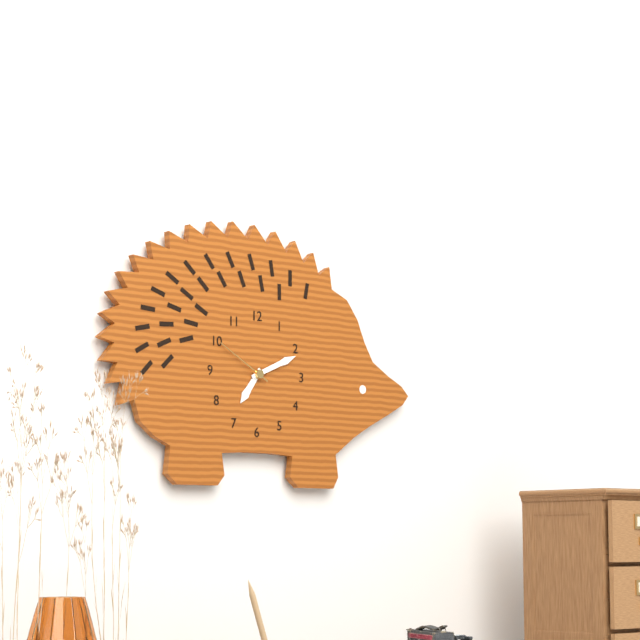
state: 7:11:50
